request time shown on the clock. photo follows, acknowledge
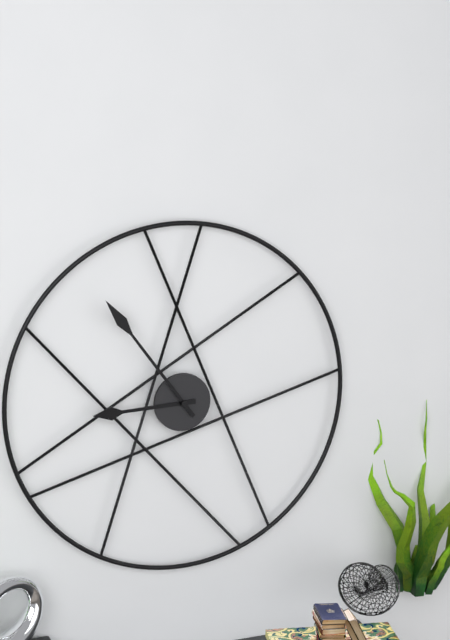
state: 8:54
